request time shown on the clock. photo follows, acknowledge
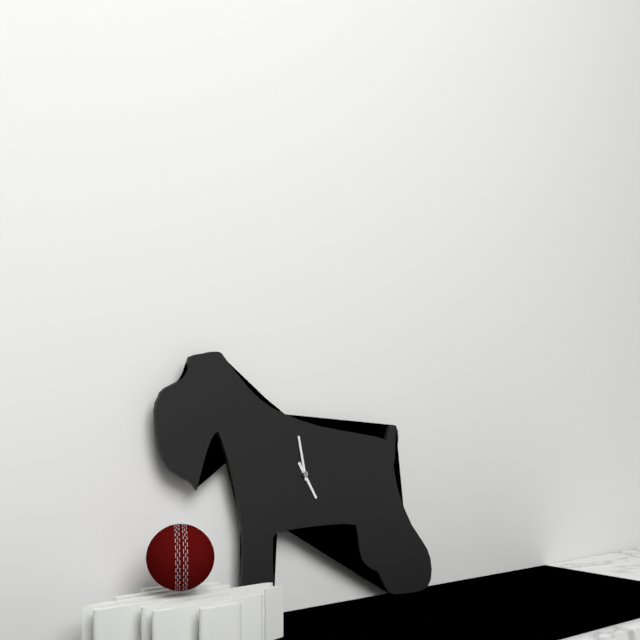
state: 4:58
